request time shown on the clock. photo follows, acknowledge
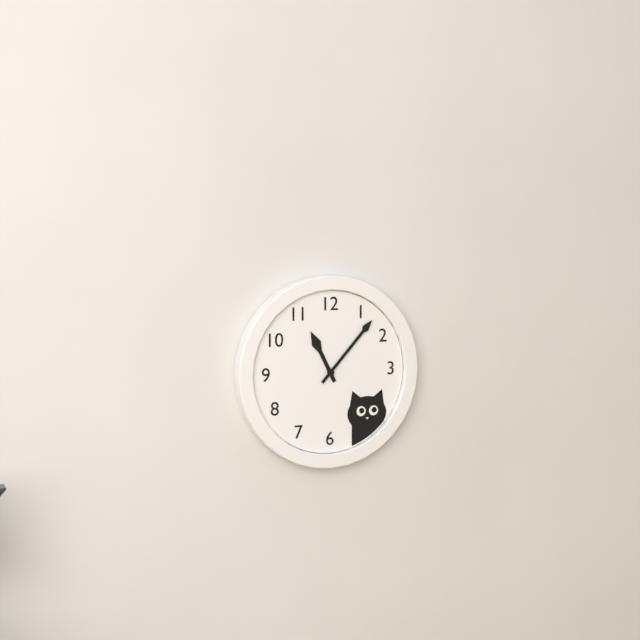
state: 11:07
